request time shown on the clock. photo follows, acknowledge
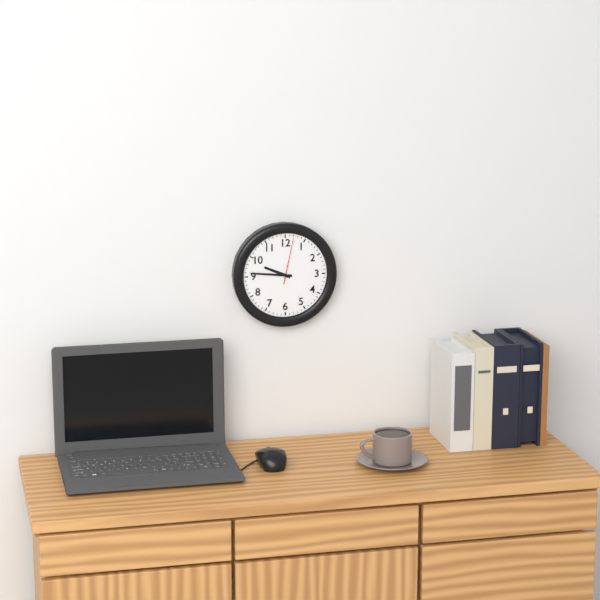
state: 9:46
